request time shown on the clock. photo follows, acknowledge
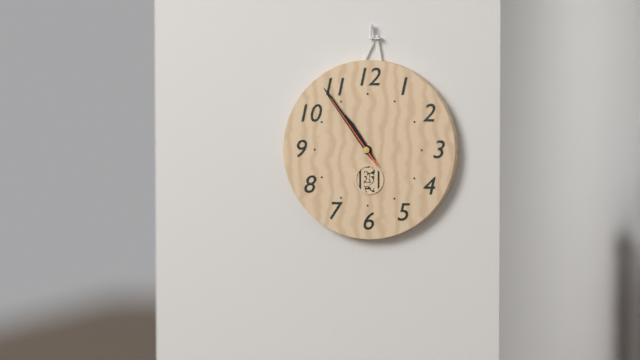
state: 10:54:54
